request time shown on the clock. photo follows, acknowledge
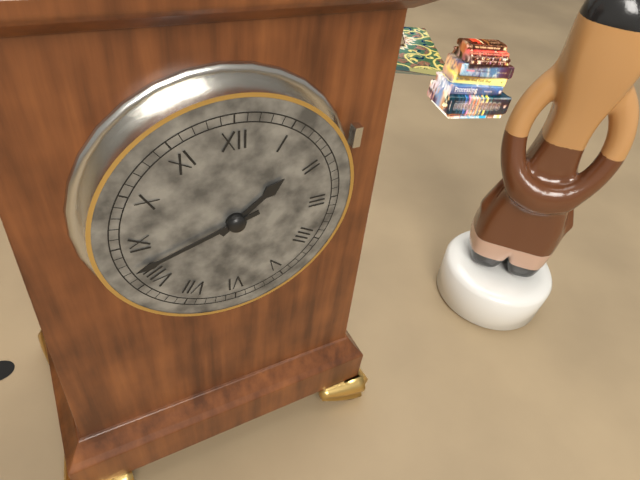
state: 1:42
